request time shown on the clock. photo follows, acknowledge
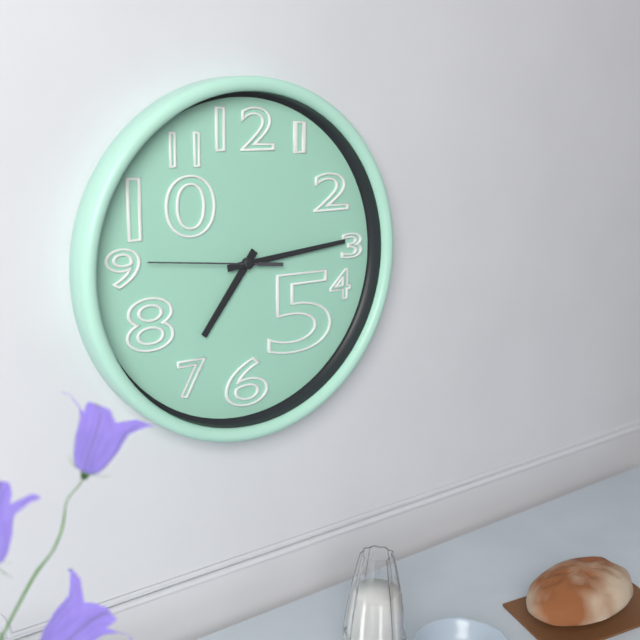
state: 7:14:46
